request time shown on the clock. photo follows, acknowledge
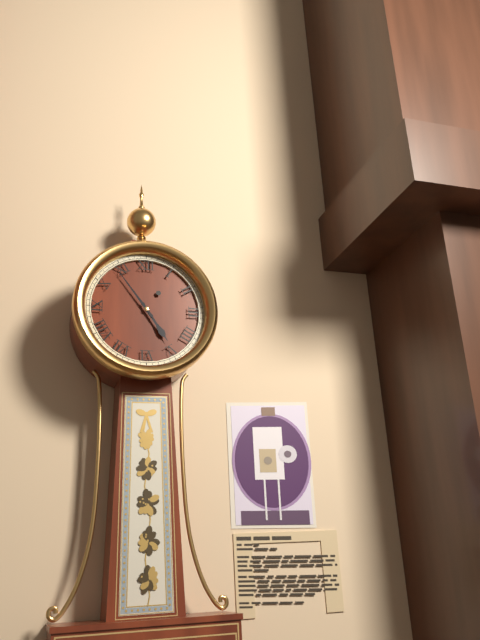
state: 4:54
